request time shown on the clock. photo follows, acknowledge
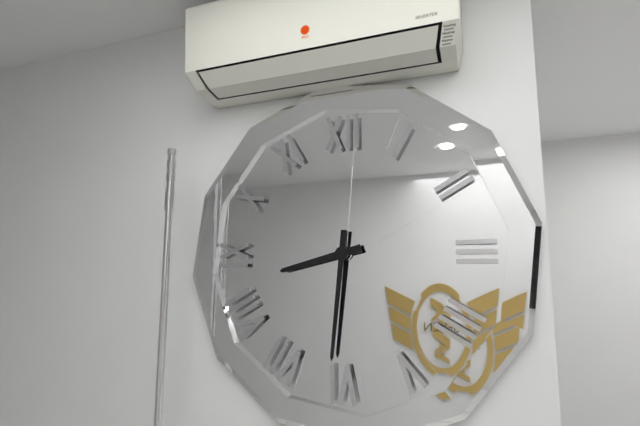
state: 8:31
